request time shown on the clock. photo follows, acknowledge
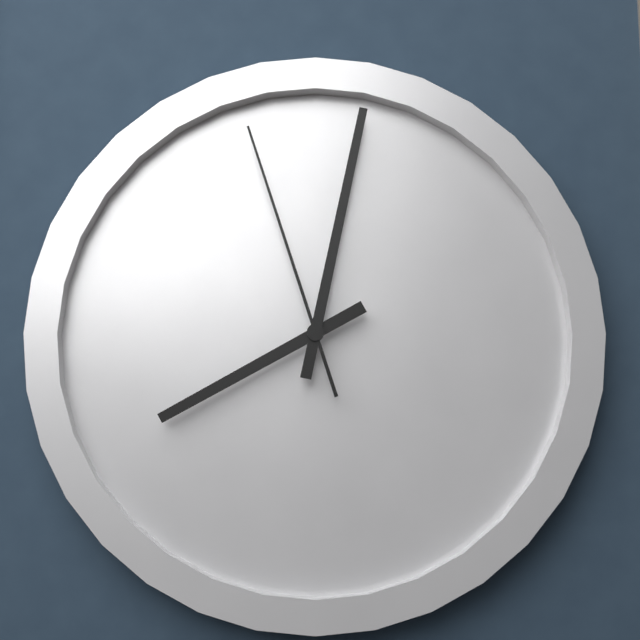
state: 8:02:57
